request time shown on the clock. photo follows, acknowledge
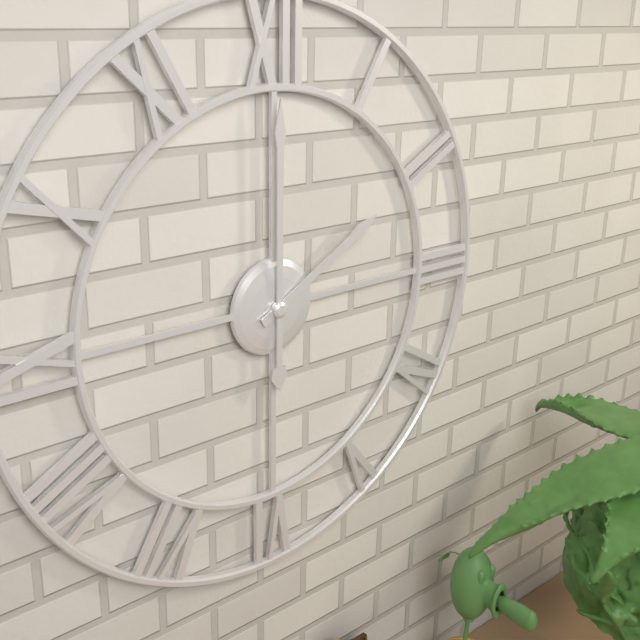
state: 2:00
